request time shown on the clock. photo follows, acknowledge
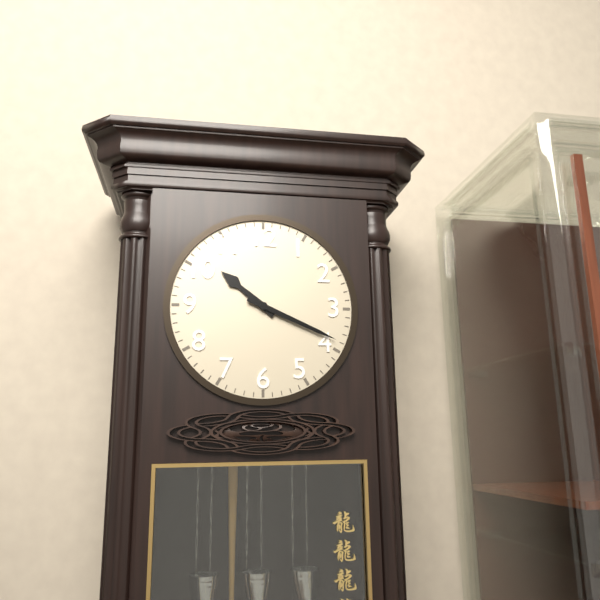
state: 10:19
